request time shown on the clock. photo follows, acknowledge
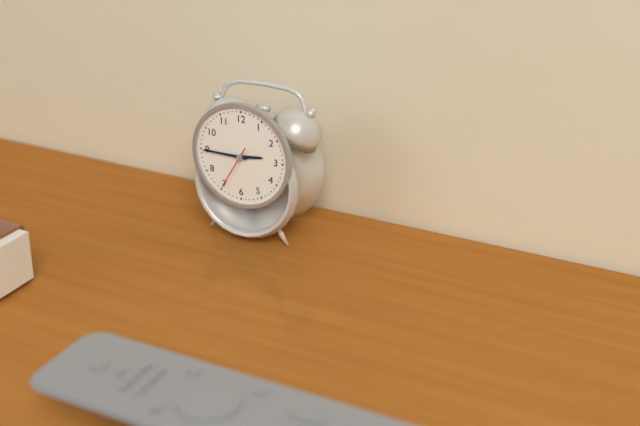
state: 2:45
